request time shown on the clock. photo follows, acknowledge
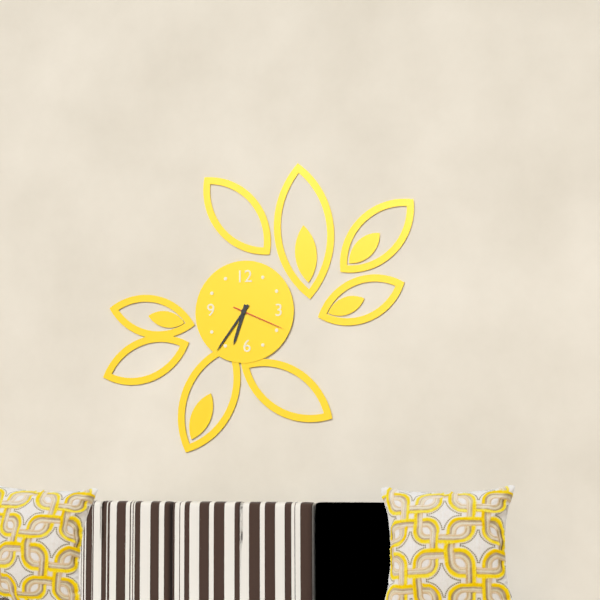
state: 6:36:19
